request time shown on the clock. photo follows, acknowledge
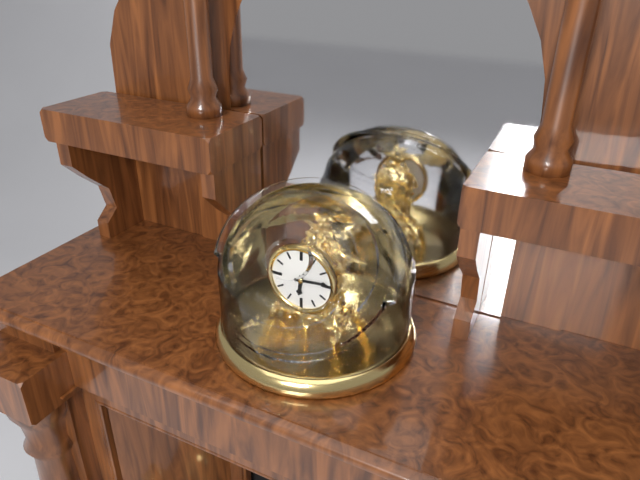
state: 6:14
